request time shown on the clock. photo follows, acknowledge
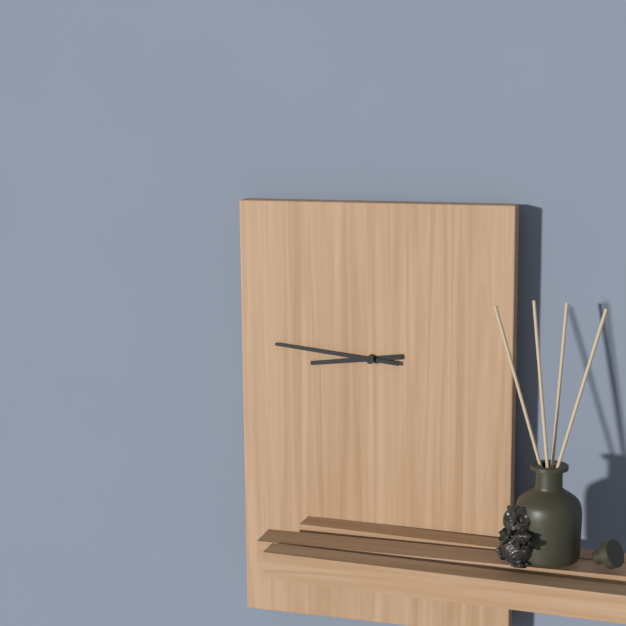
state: 8:46
